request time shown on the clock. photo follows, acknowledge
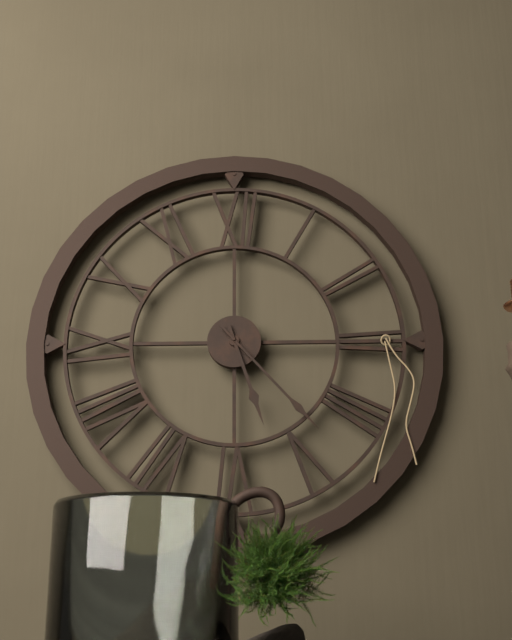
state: 5:23
